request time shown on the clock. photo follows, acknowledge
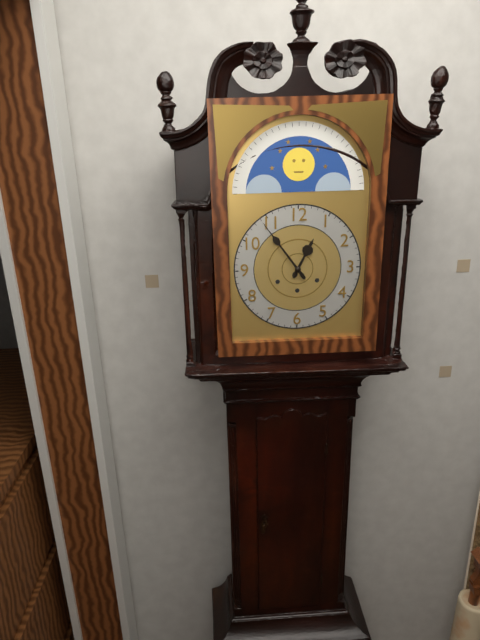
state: 12:54
